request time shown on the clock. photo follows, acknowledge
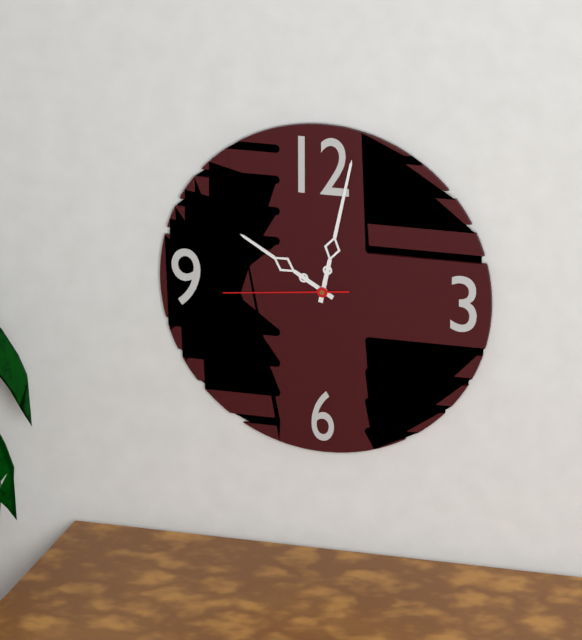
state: 10:02:44
